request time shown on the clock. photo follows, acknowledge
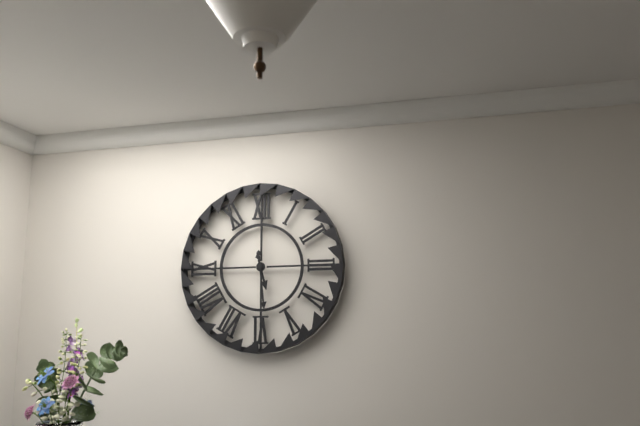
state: 5:29
